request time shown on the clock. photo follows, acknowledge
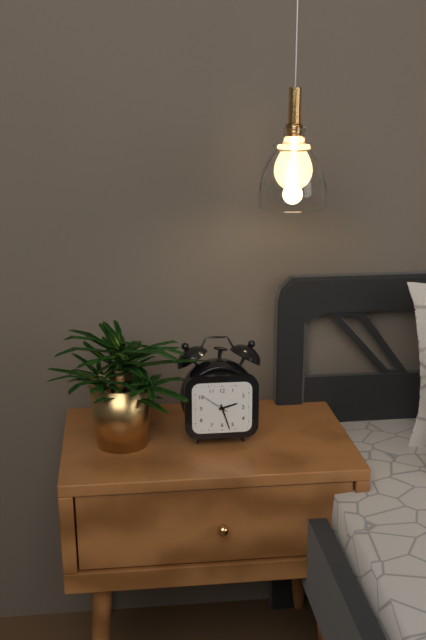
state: 2:27
